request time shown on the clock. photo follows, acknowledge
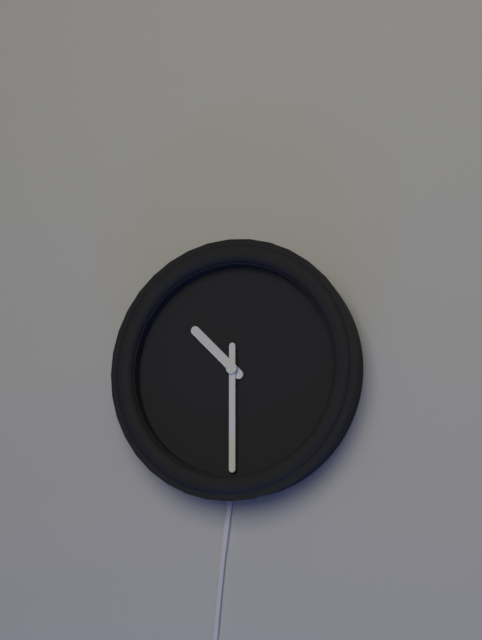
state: 10:30
